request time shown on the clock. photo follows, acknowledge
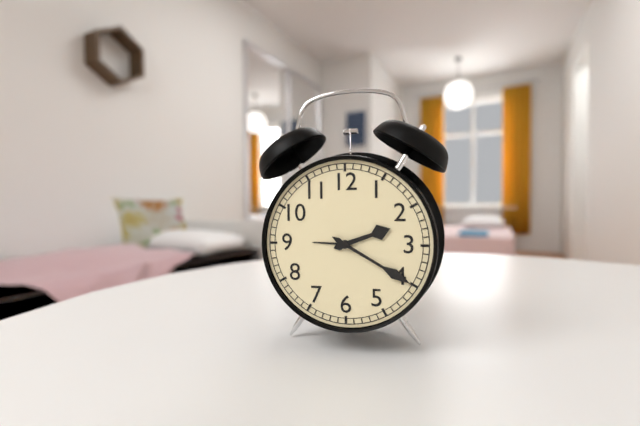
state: 2:20
